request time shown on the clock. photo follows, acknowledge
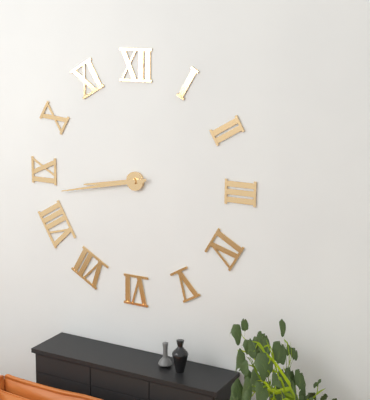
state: 8:43
